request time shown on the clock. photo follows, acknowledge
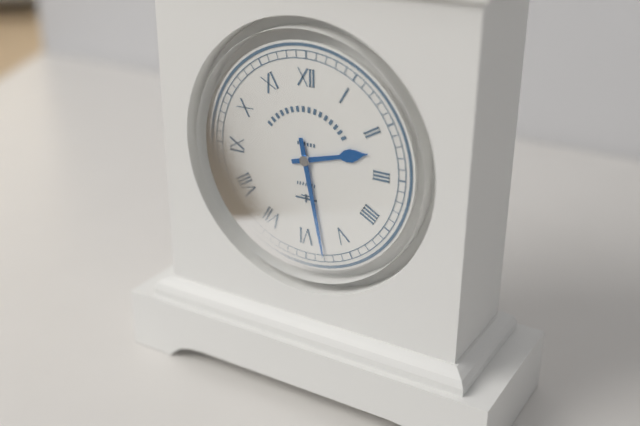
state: 2:28
